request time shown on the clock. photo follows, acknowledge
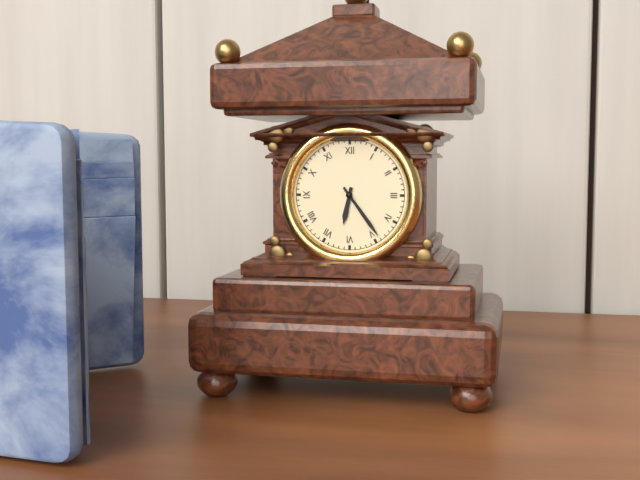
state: 6:24
